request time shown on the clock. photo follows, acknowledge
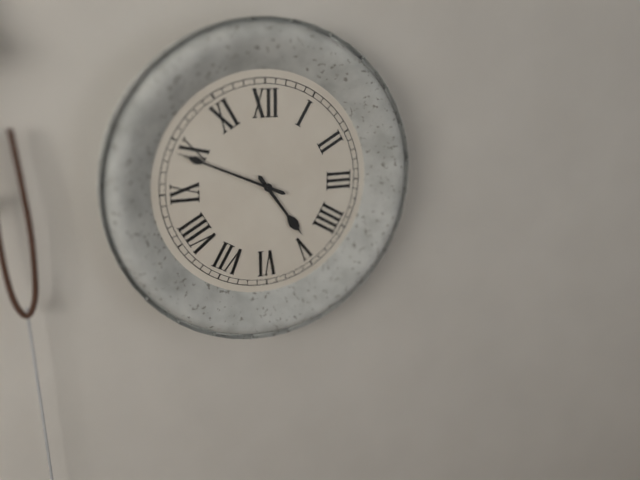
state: 4:49
